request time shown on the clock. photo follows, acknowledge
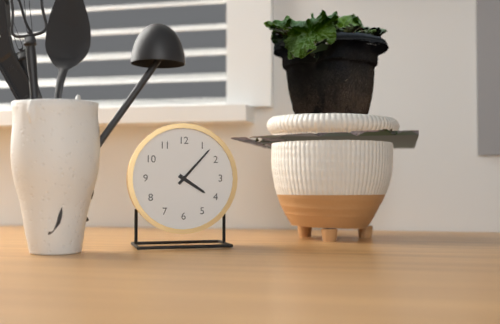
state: 4:07
